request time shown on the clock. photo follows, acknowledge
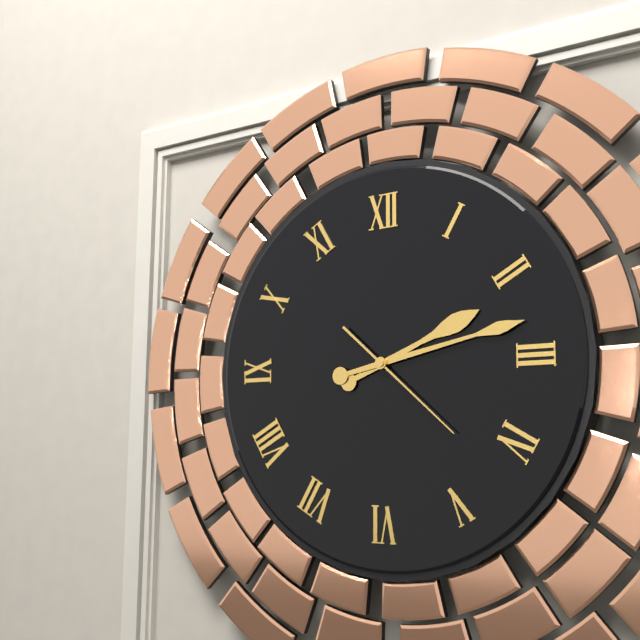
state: 2:13:22
